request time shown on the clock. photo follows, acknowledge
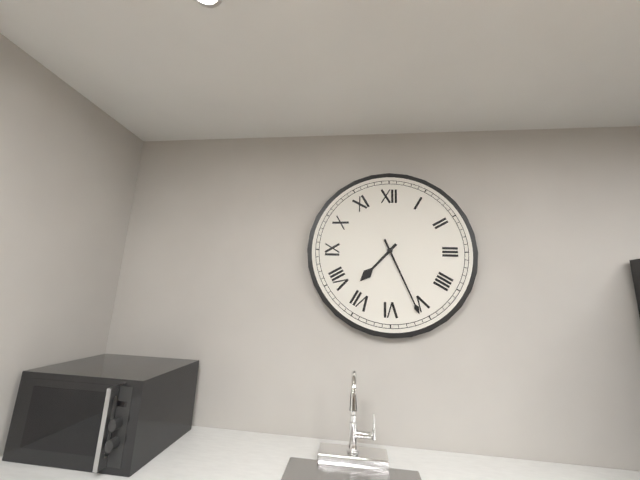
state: 7:26
